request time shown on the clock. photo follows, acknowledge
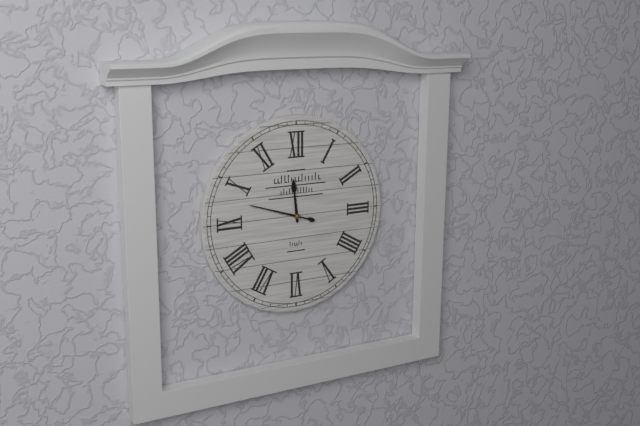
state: 11:48
